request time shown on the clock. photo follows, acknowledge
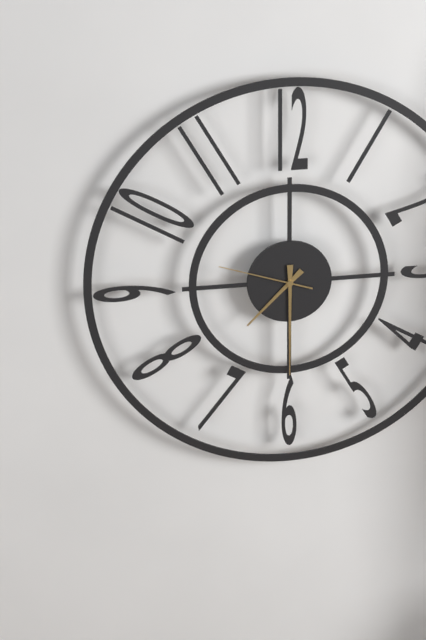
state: 7:30:48
